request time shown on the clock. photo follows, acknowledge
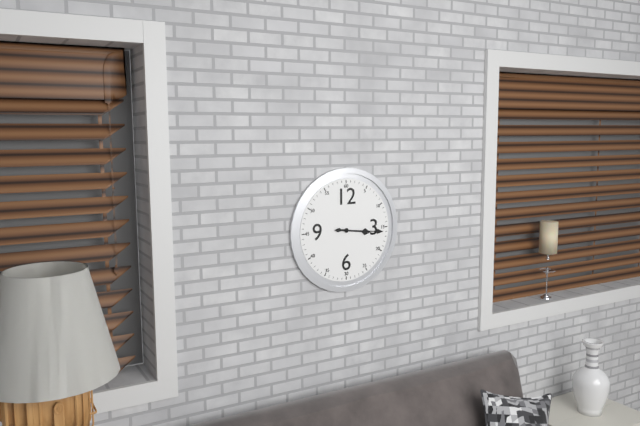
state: 3:16
